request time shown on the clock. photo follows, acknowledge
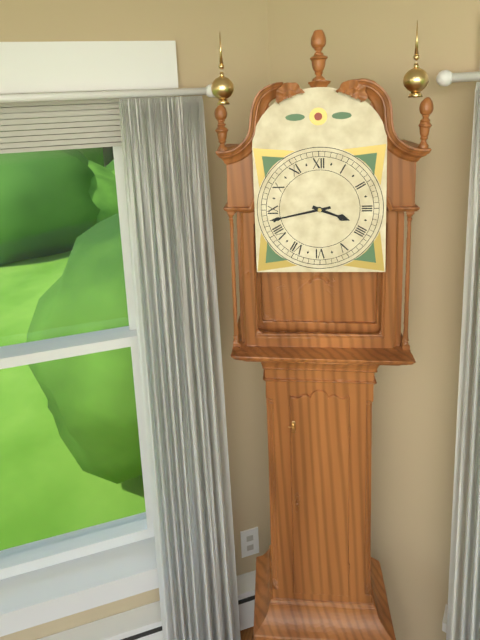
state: 3:43
